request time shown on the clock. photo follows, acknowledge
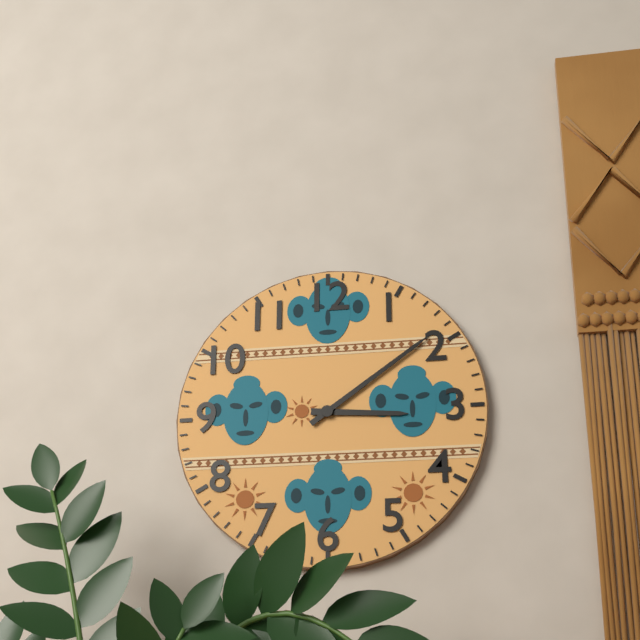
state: 3:09
